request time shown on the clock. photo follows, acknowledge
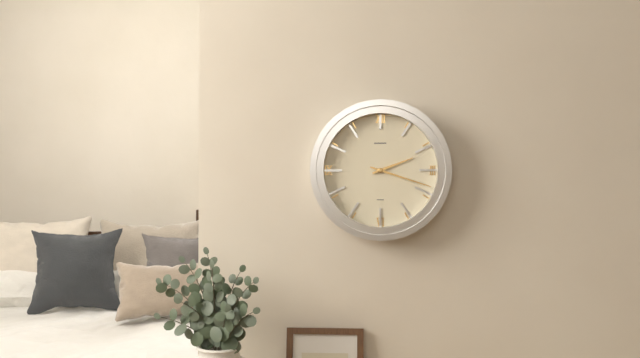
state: 2:18
